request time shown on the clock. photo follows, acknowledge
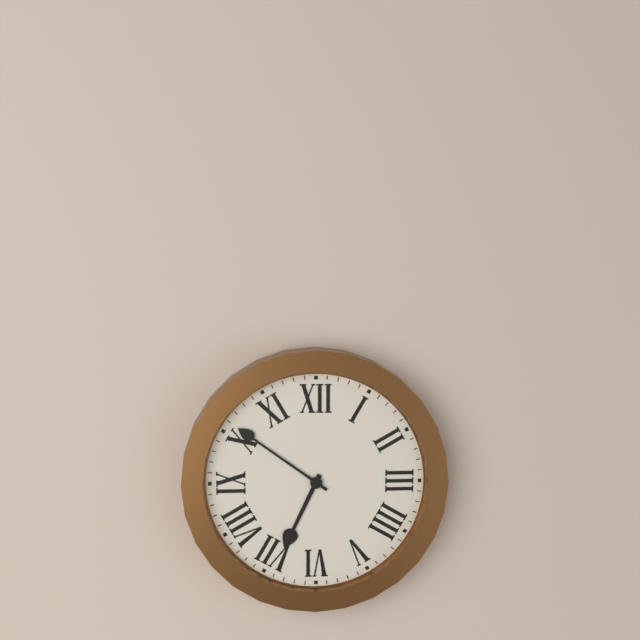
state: 6:51
